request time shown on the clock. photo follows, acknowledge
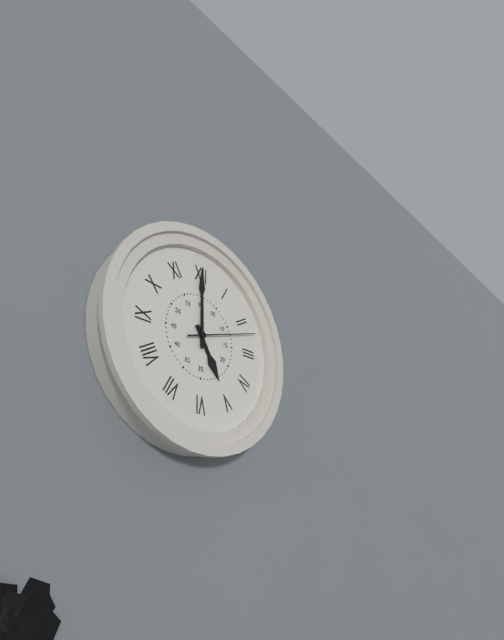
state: 5:00:12
